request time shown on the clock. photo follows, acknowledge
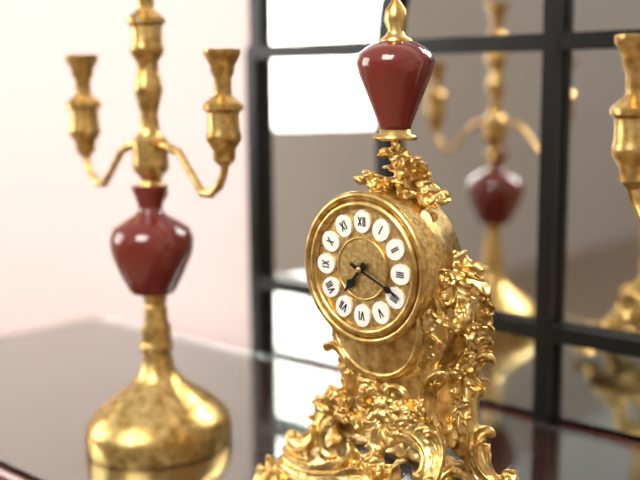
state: 7:19
